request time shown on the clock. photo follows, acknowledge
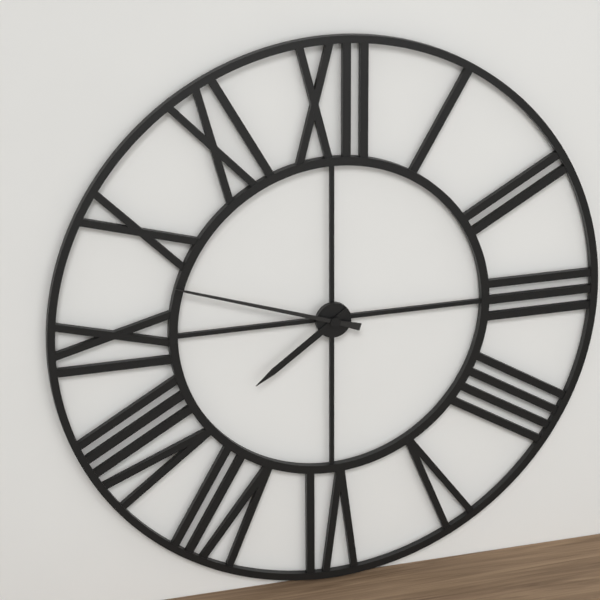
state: 7:48
